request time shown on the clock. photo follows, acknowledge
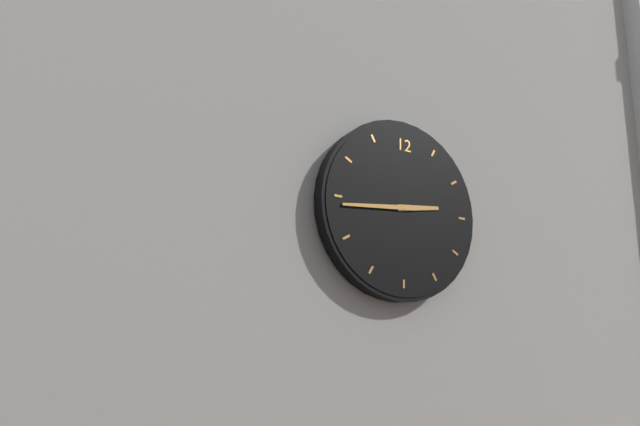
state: 2:44
